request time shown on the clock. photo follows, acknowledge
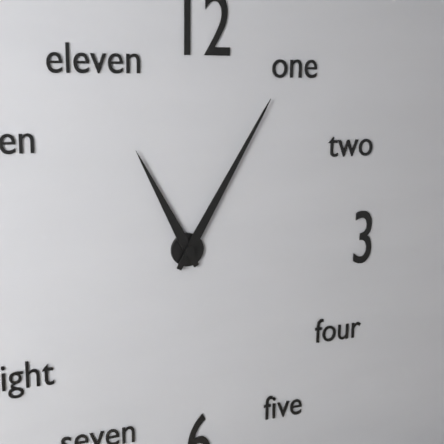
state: 11:05
